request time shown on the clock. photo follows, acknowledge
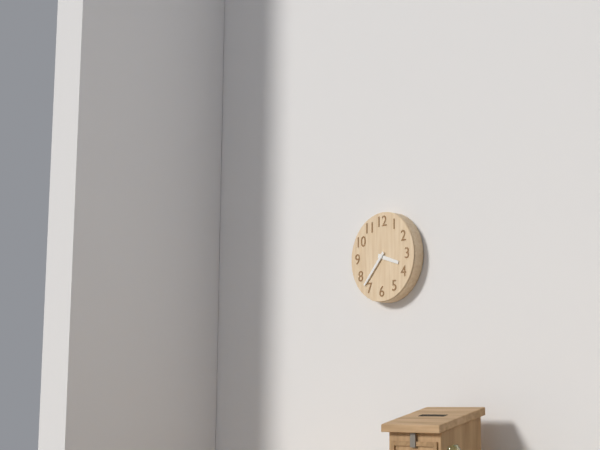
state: 3:37
